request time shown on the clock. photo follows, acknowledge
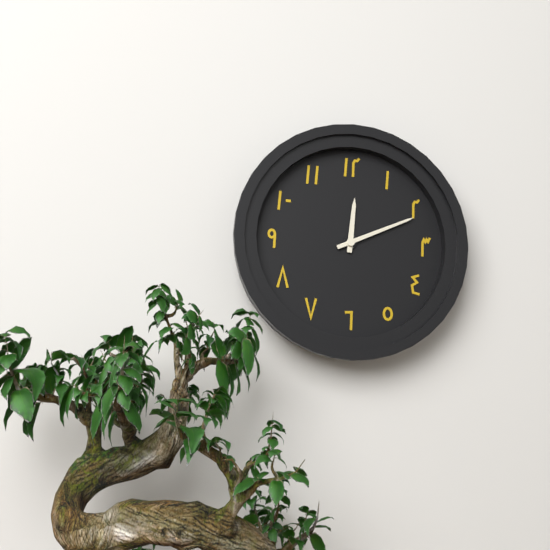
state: 12:11
